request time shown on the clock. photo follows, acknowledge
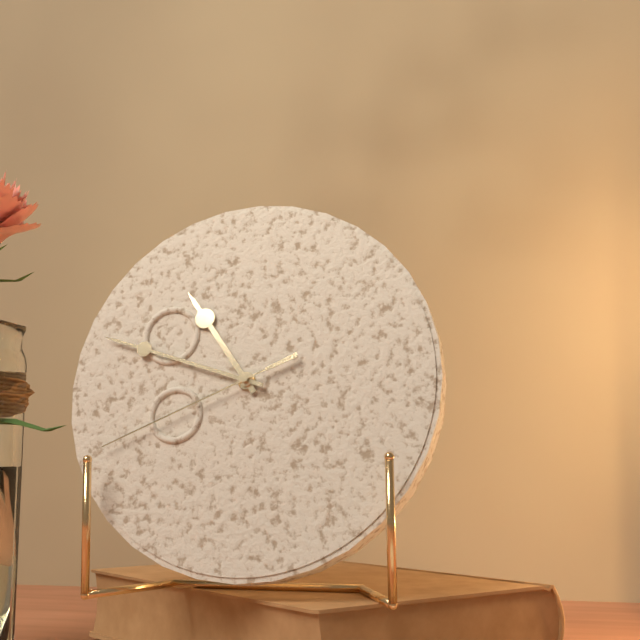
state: 10:48:41
